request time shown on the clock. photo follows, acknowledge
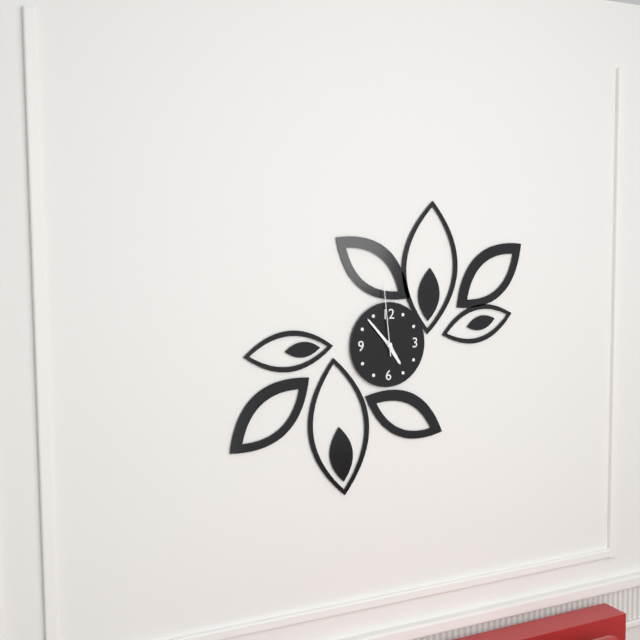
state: 4:53:59
